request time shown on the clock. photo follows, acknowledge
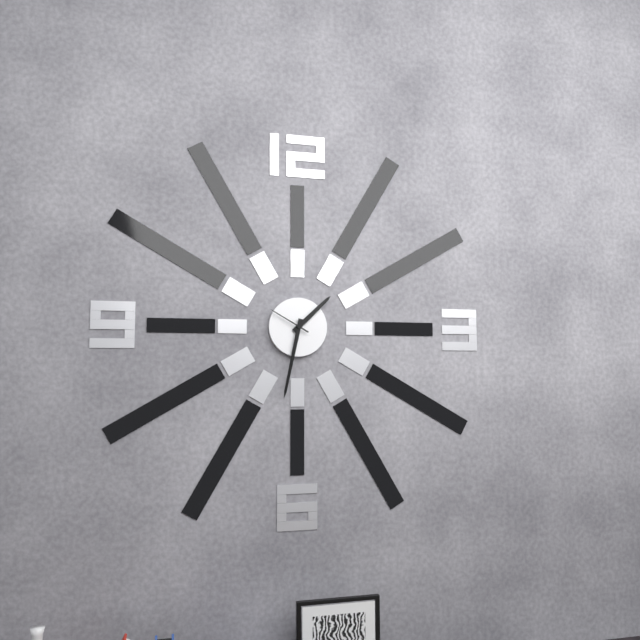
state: 1:32
